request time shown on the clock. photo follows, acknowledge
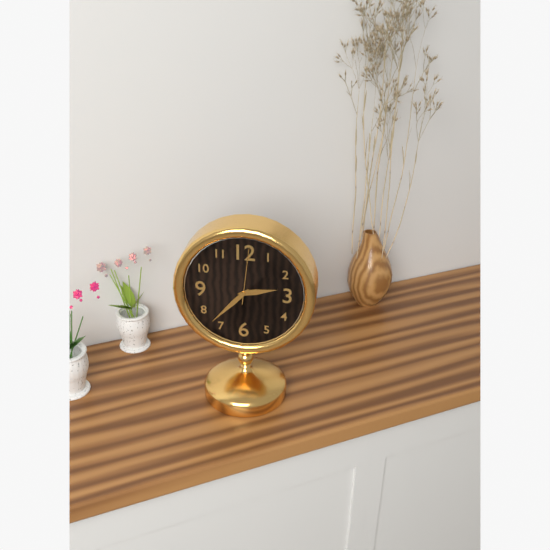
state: 2:37:01
